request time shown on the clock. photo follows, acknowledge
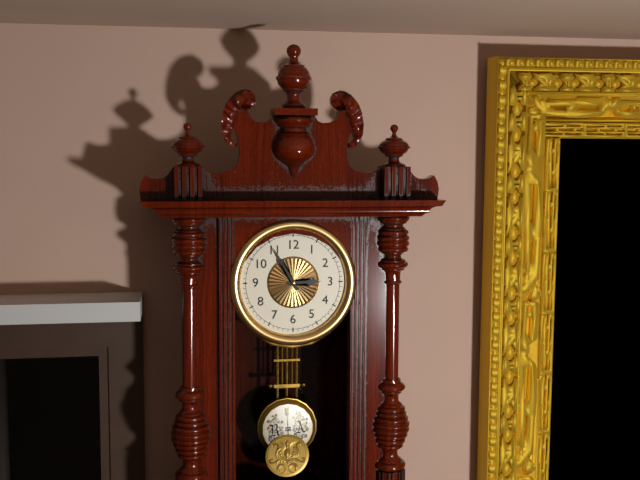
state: 2:55
